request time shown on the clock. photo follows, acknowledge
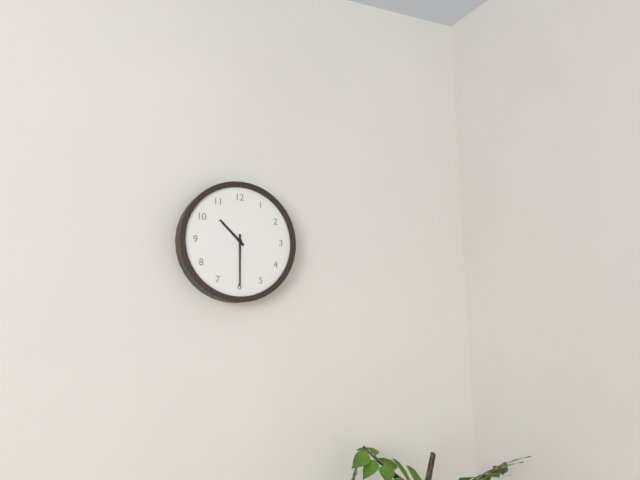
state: 10:30
